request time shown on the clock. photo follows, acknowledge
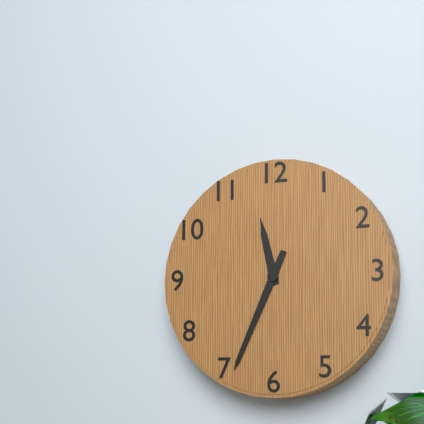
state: 11:34
